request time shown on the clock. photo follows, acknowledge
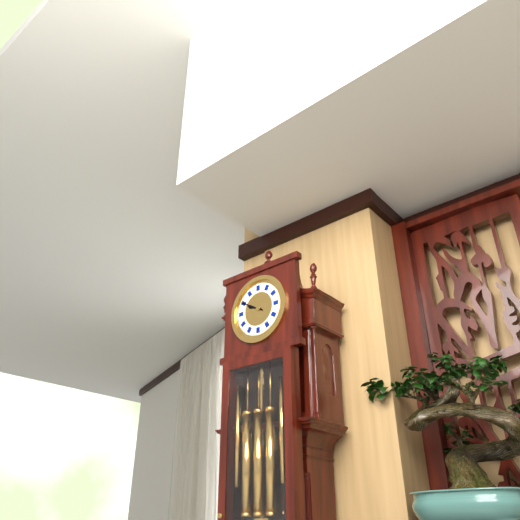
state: 9:50
